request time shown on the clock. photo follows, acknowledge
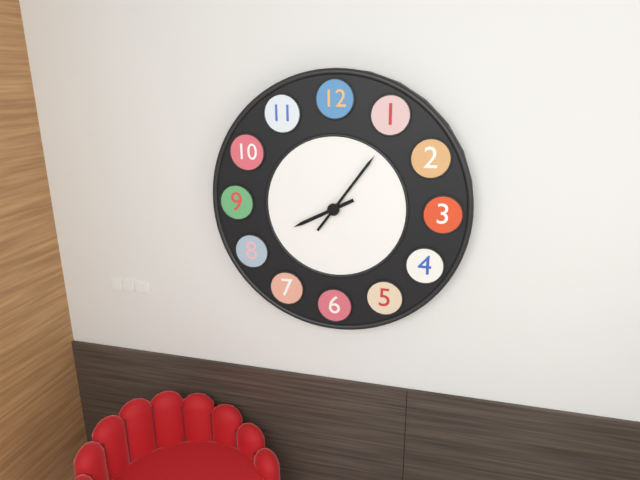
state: 8:06
